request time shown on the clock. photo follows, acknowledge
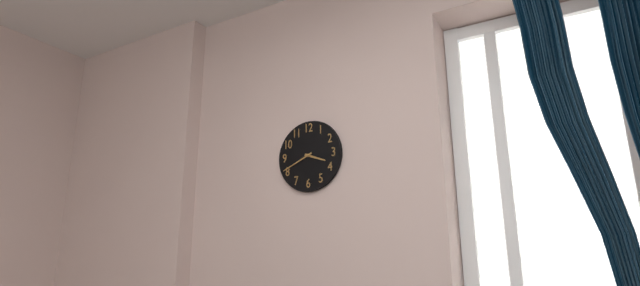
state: 3:41
